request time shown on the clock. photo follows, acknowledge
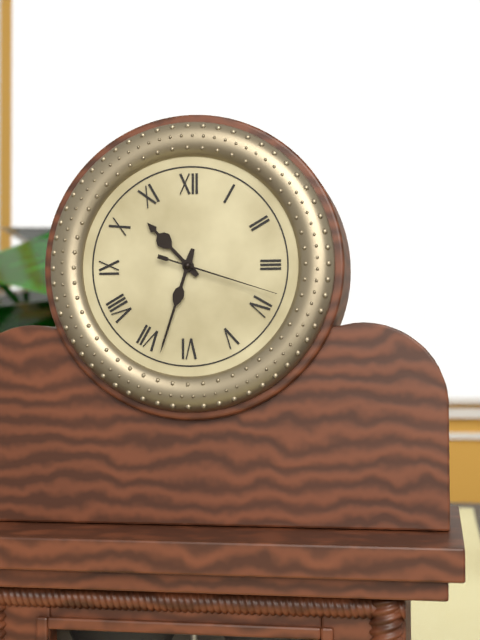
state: 10:33:18
